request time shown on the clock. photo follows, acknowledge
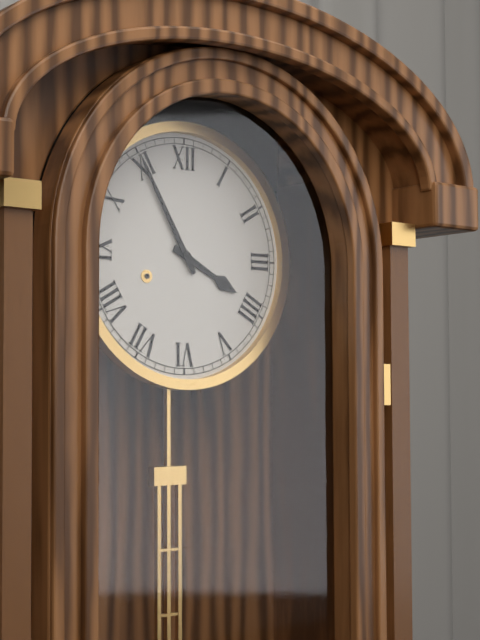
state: 3:55
